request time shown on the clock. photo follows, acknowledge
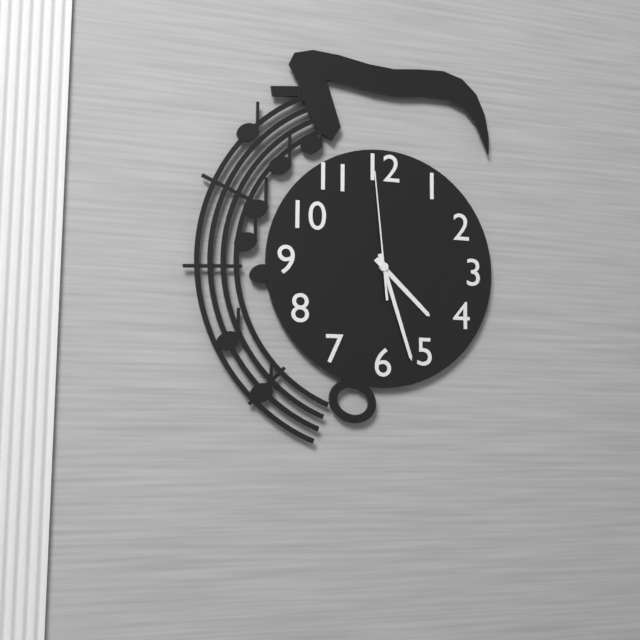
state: 4:27:59
